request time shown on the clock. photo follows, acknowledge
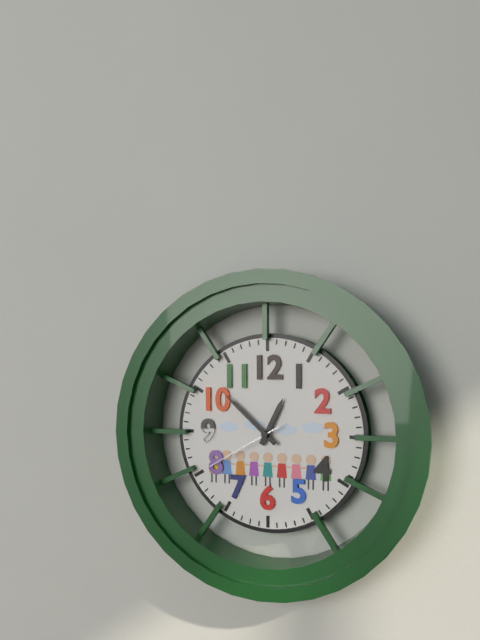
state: 12:52:40
